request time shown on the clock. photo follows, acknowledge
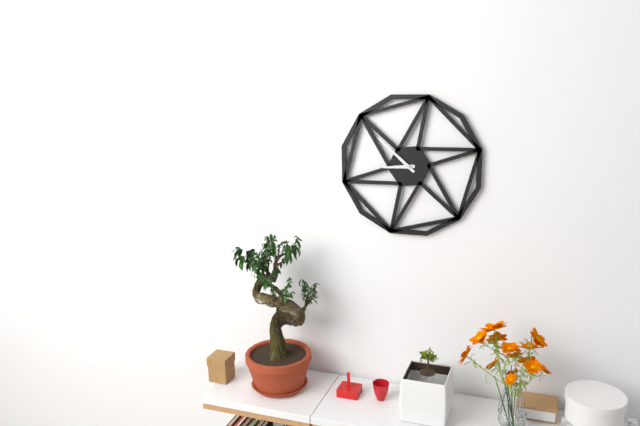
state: 8:52
